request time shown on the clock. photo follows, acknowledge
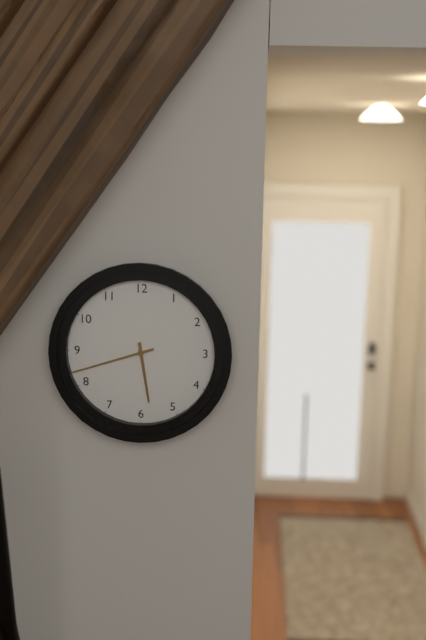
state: 5:42
